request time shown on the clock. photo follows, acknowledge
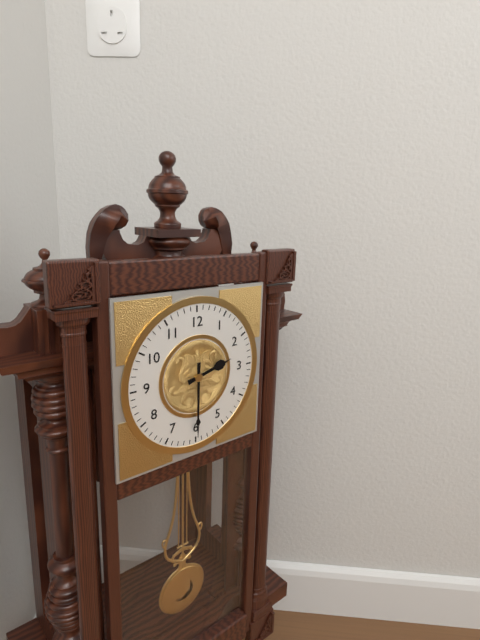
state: 2:30
